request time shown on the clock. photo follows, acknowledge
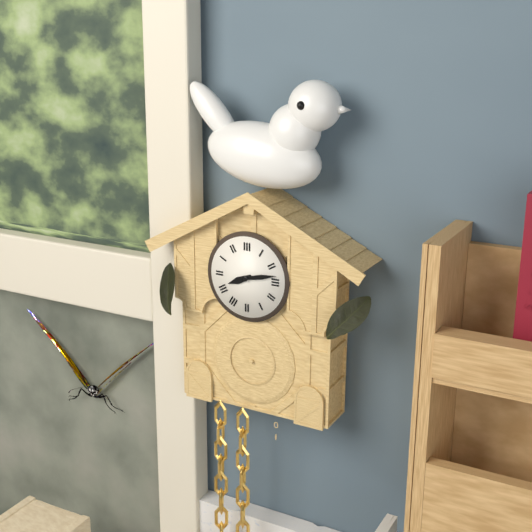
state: 8:13
